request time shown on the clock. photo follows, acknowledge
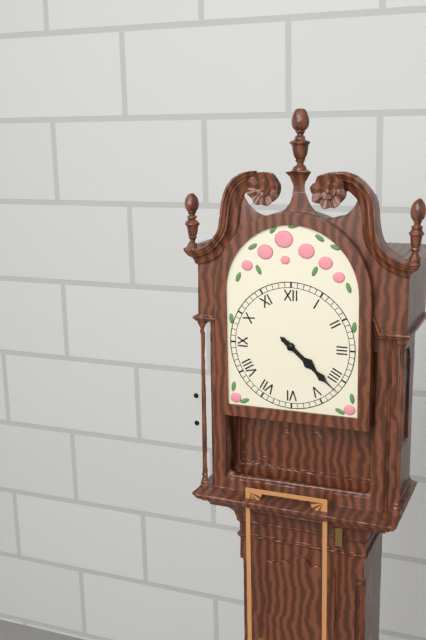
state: 4:22
